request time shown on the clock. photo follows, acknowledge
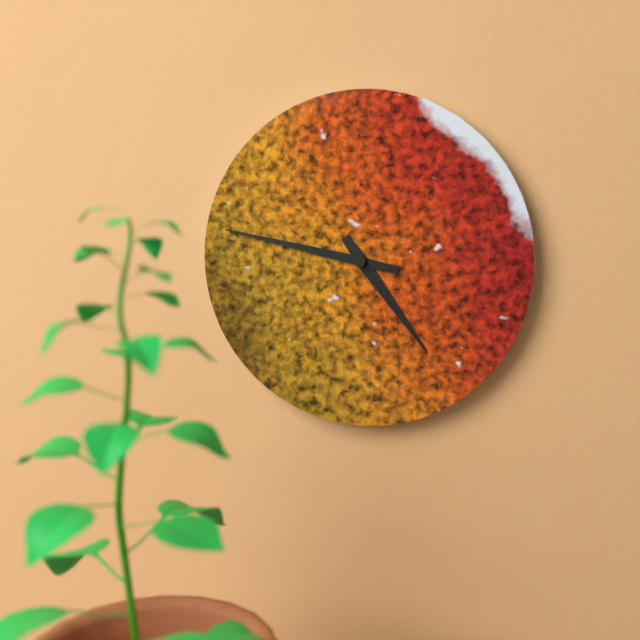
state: 4:47
